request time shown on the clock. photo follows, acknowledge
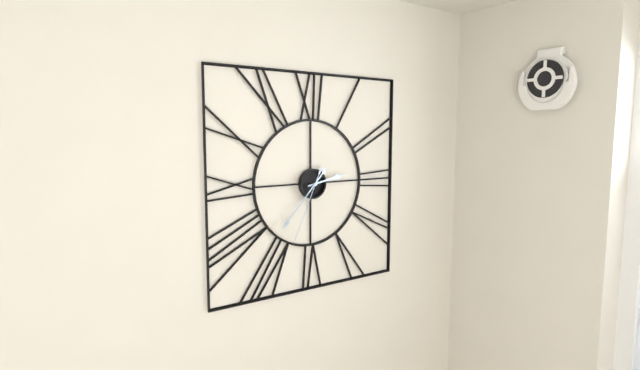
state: 2:37:34
